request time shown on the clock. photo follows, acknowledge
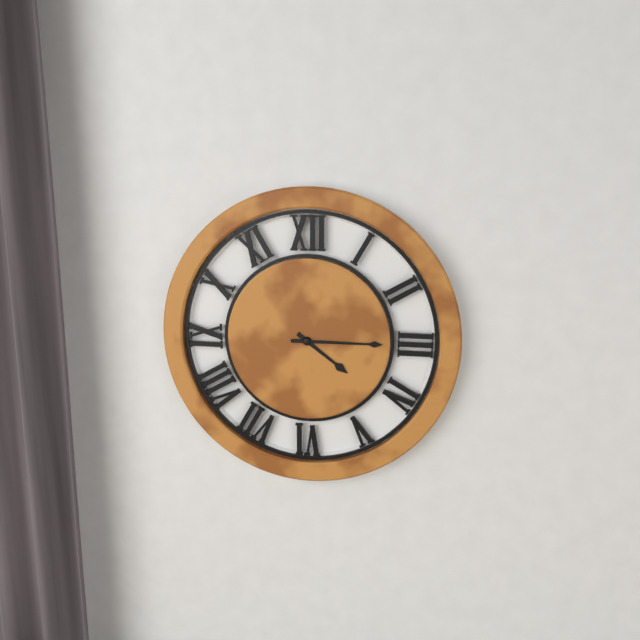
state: 4:15
